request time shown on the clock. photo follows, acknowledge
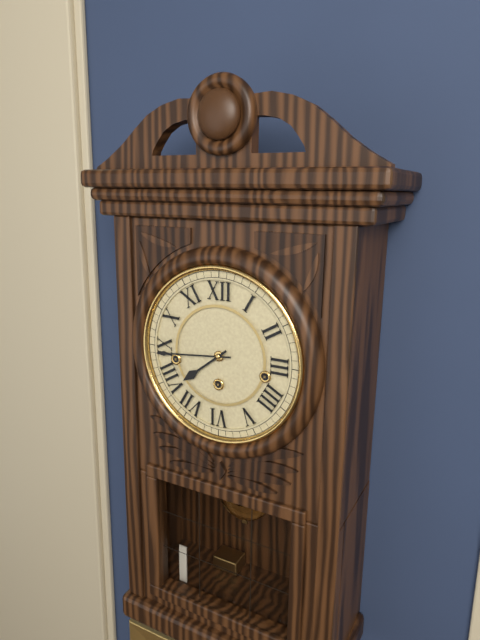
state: 7:44
